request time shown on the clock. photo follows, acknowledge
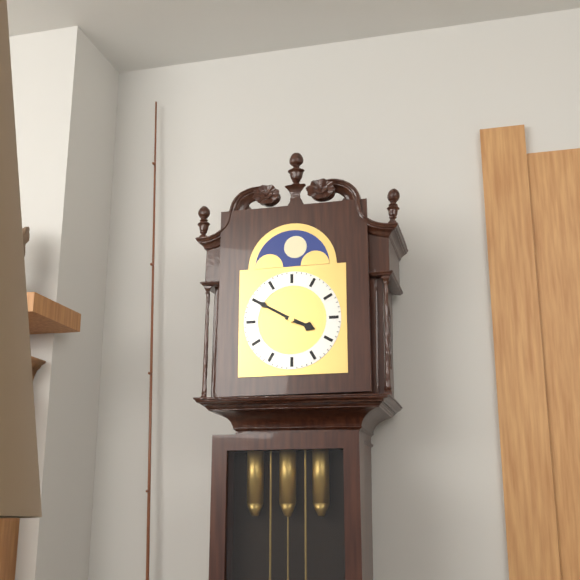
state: 3:50
